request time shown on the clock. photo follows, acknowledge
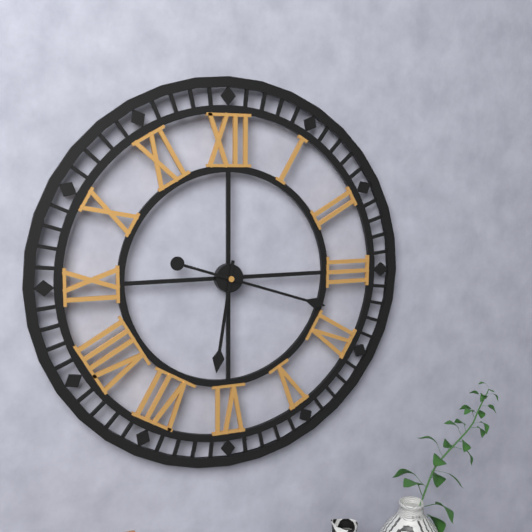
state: 6:18
